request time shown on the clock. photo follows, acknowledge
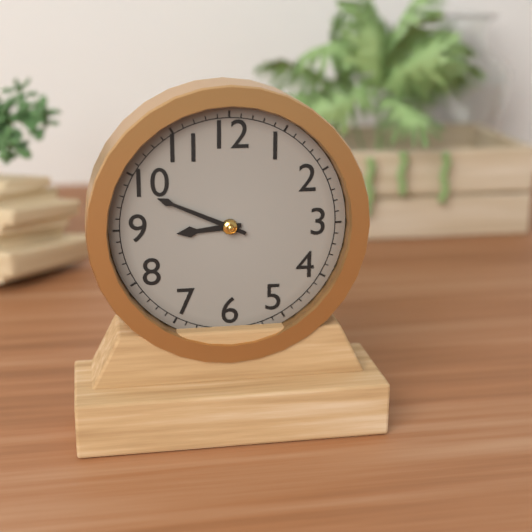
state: 8:49
